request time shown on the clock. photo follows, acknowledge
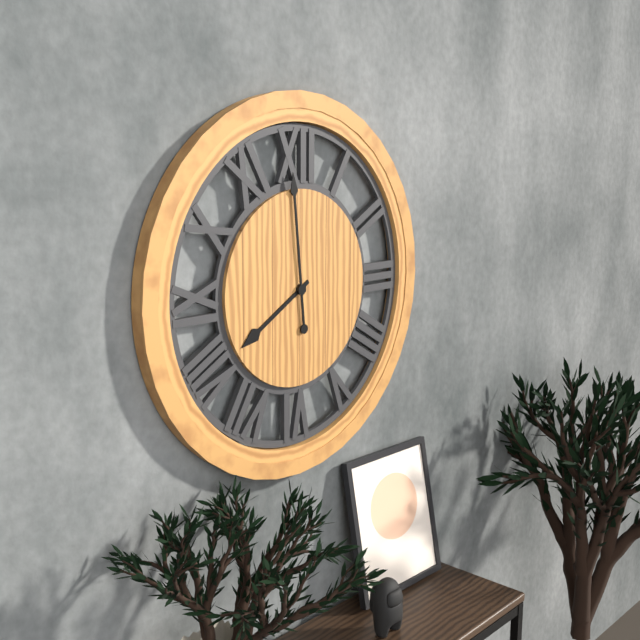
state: 7:59
